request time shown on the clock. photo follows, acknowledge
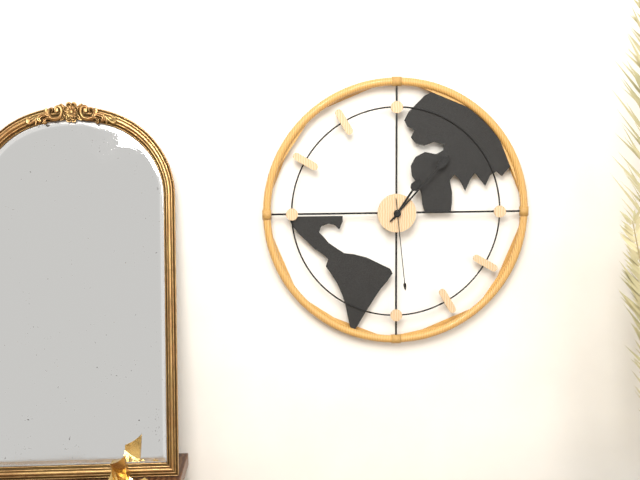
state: 1:07:29
